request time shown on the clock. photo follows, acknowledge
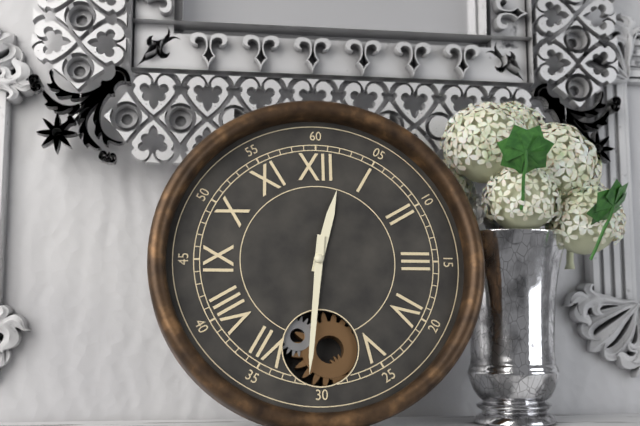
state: 12:31
